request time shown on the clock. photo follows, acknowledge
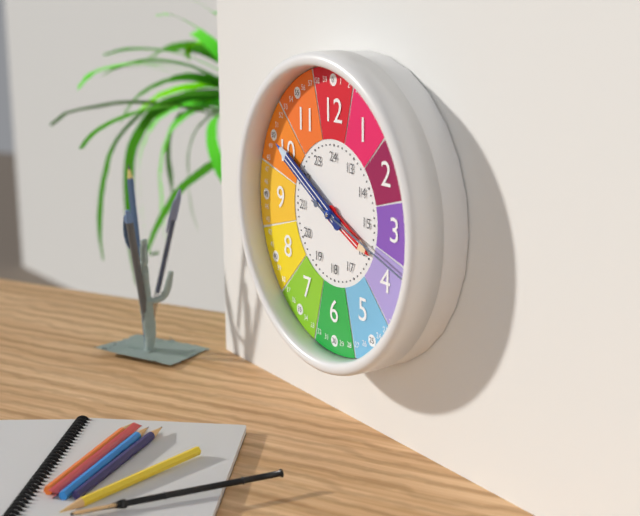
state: 3:50:18
